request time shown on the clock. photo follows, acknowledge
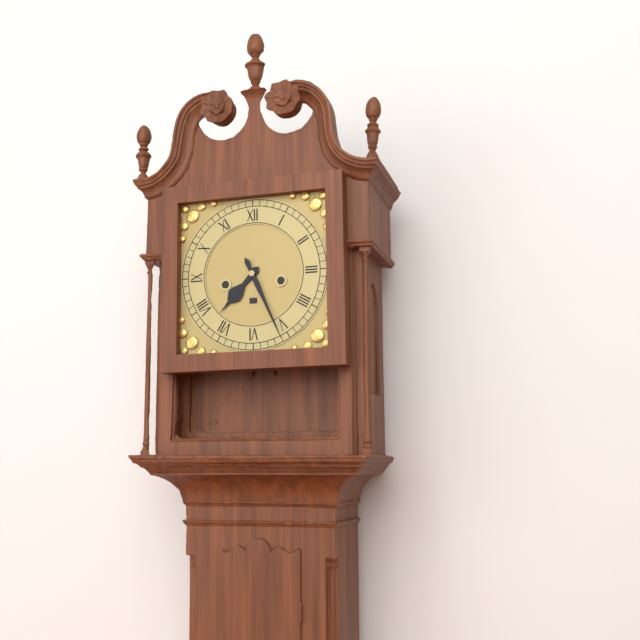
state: 7:26
